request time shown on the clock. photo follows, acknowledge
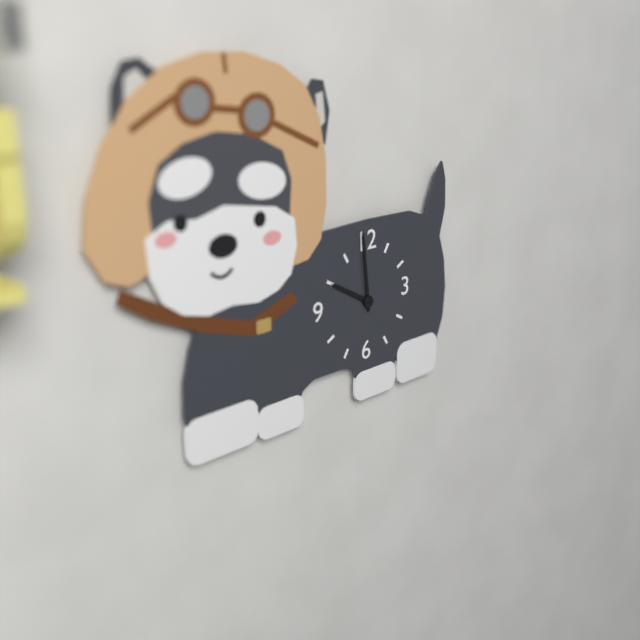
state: 9:59
